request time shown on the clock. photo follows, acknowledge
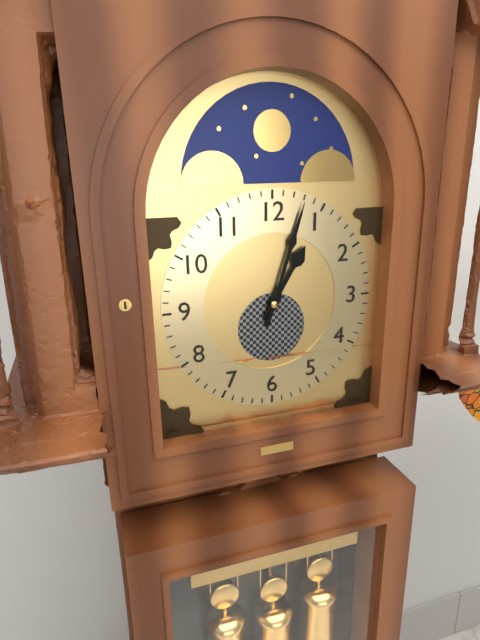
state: 1:03
